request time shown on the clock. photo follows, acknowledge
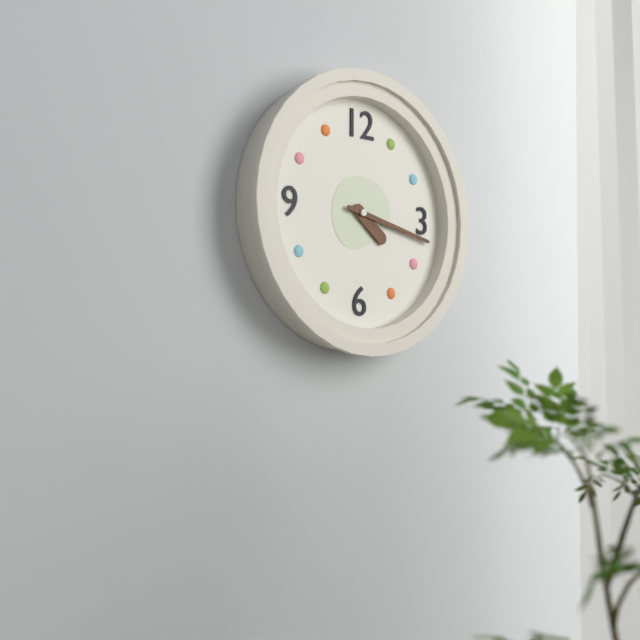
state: 4:17
